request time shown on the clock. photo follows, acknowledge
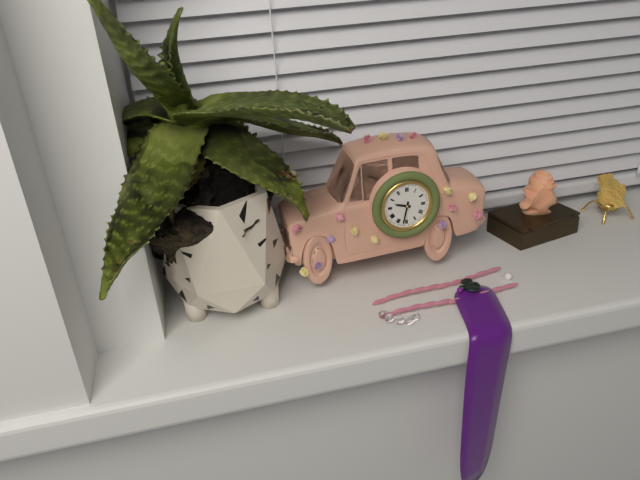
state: 9:32
